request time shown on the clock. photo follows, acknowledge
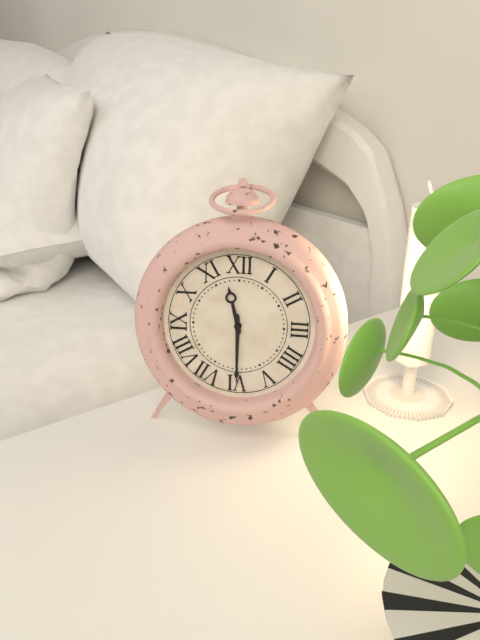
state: 11:30
